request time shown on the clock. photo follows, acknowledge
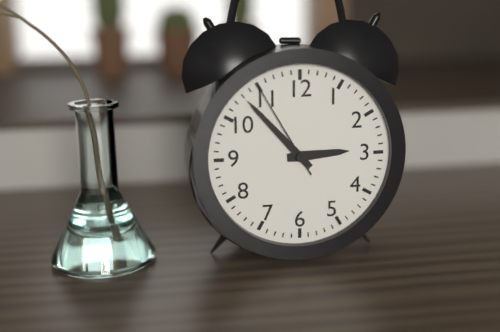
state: 2:53:55
